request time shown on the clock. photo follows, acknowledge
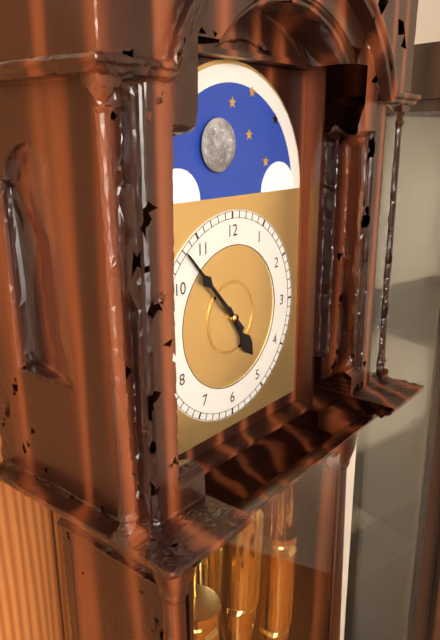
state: 4:53
